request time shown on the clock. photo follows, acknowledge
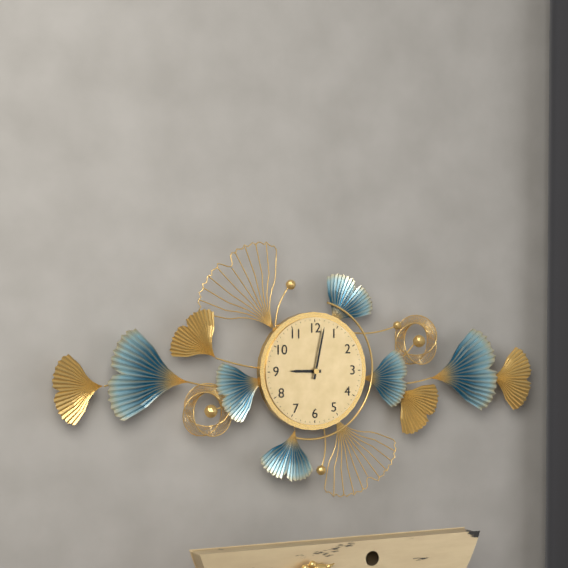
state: 9:02
